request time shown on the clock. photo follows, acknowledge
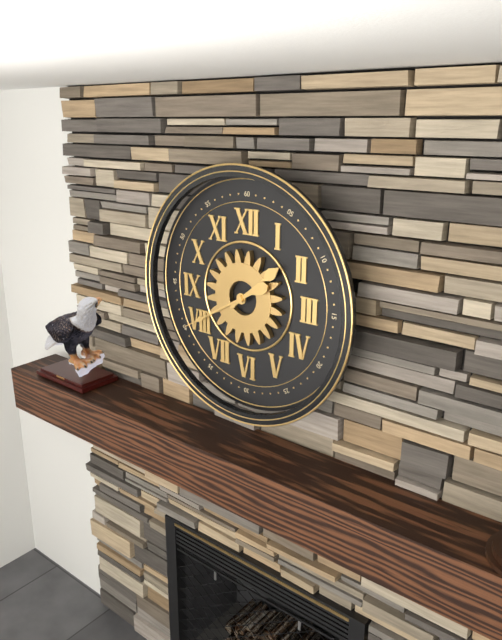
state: 1:40
